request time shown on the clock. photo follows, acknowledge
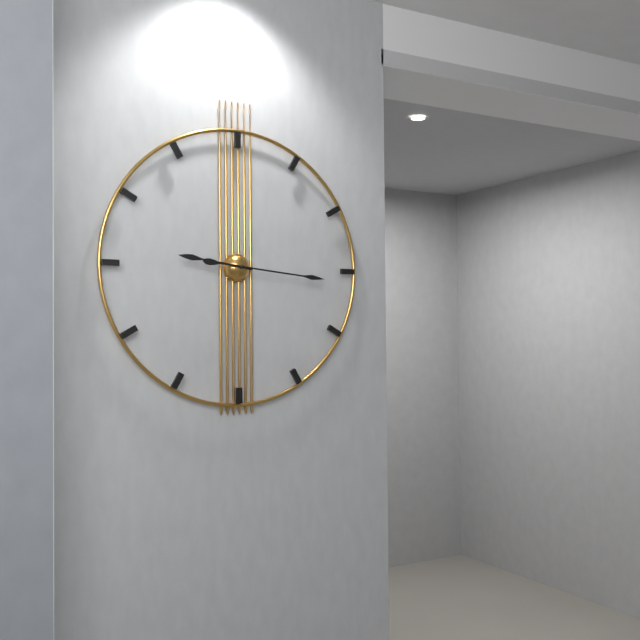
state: 9:16
